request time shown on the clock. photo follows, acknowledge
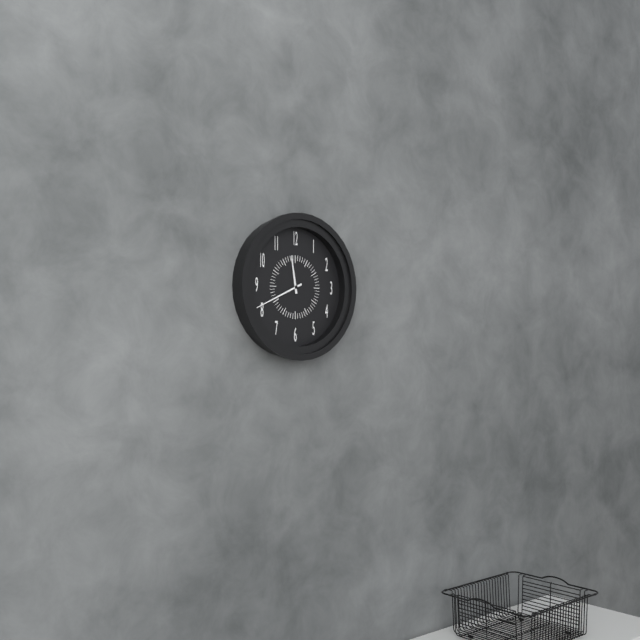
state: 11:41
